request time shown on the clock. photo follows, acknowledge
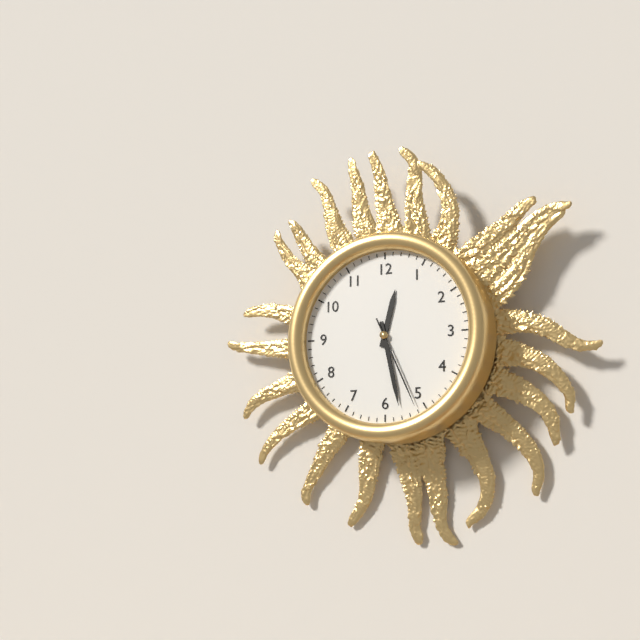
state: 12:28:26
